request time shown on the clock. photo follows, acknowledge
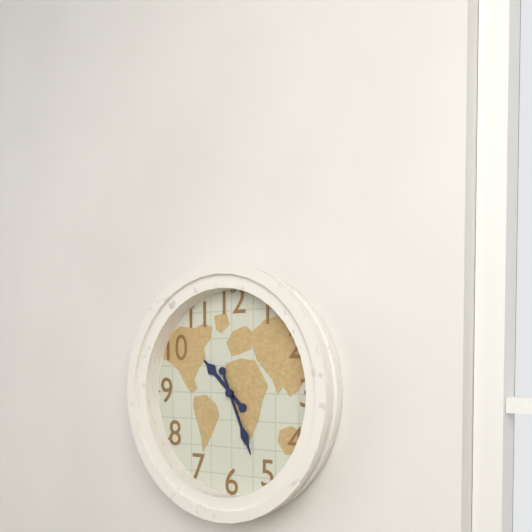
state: 10:26
